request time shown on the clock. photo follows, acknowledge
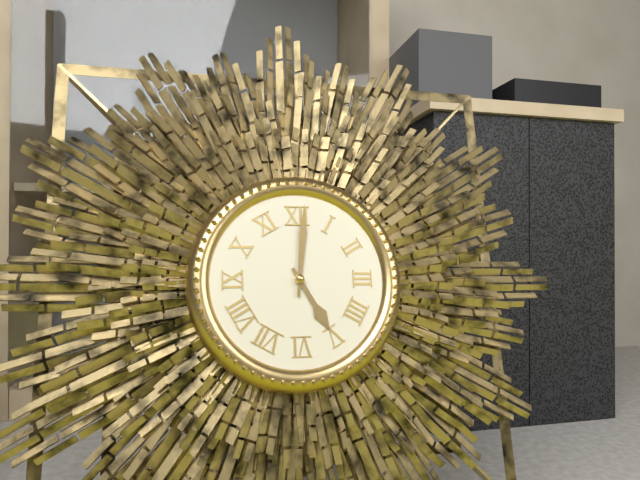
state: 5:01
